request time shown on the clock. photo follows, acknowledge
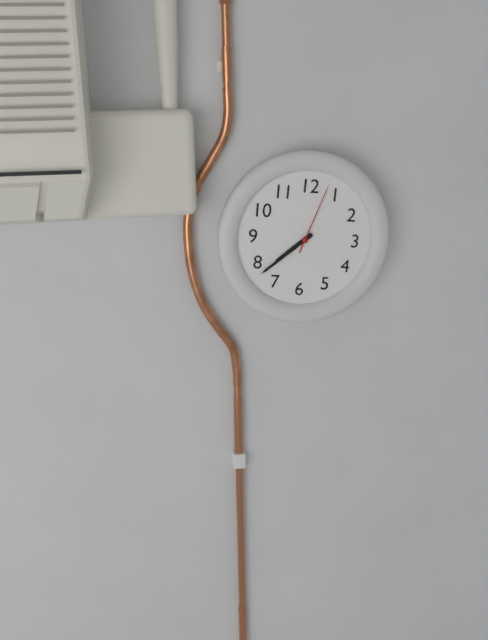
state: 7:38:03
